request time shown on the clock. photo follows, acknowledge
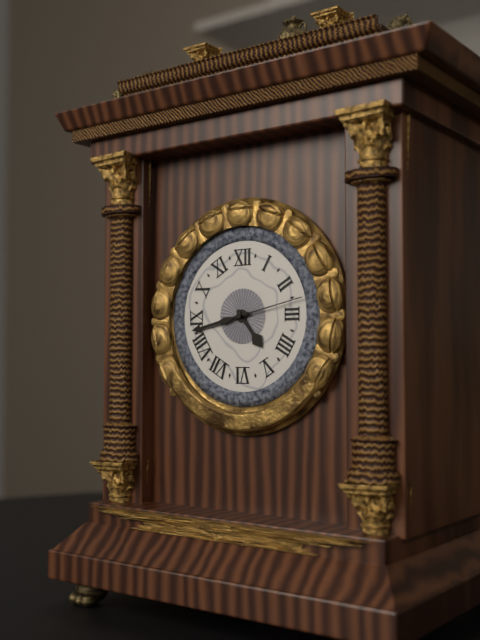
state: 4:43:13
